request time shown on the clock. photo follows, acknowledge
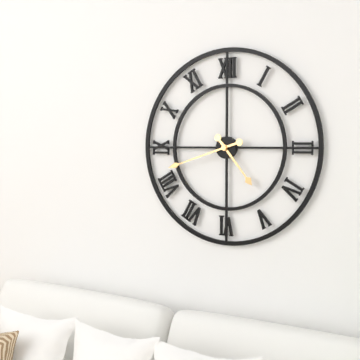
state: 4:42
